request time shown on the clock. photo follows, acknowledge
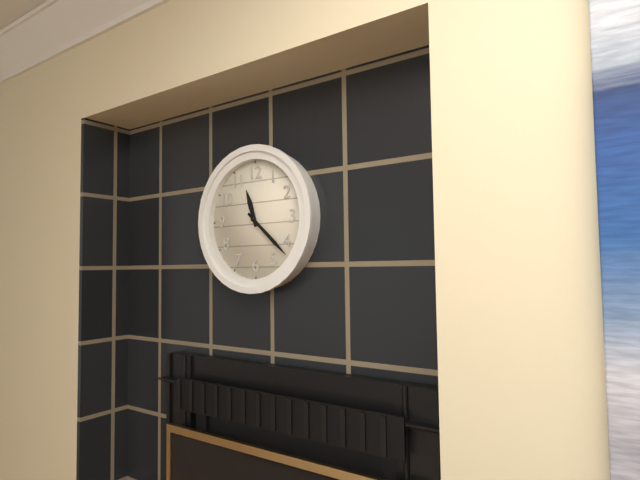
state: 11:22
